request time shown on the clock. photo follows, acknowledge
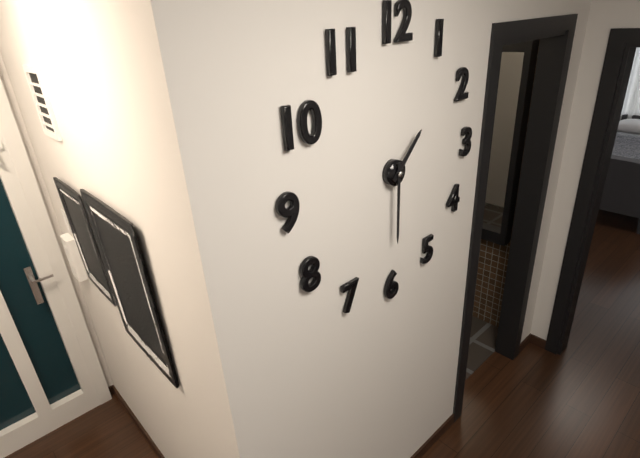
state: 1:30
